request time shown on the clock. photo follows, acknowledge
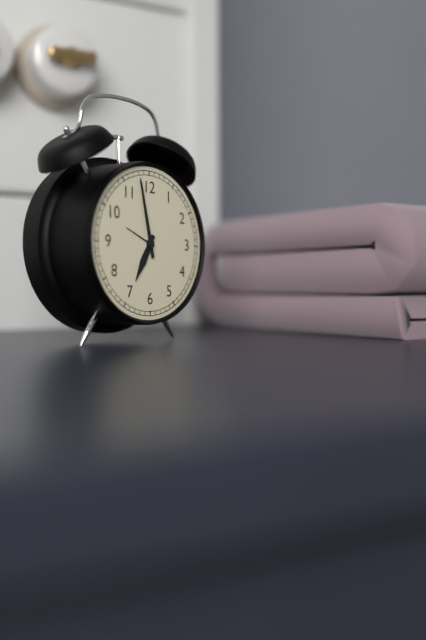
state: 6:58
